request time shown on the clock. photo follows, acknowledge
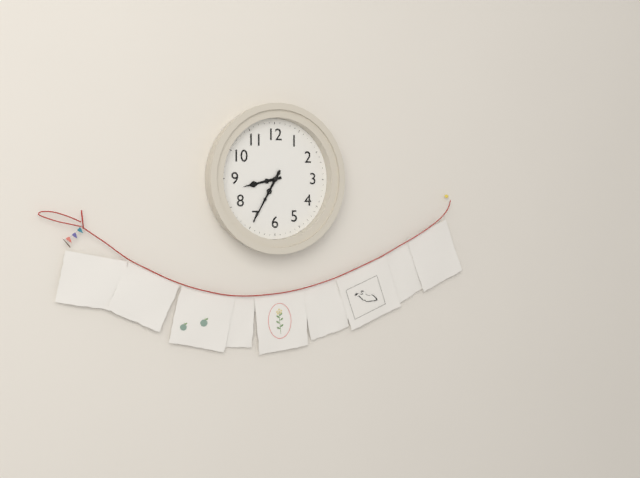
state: 8:35
